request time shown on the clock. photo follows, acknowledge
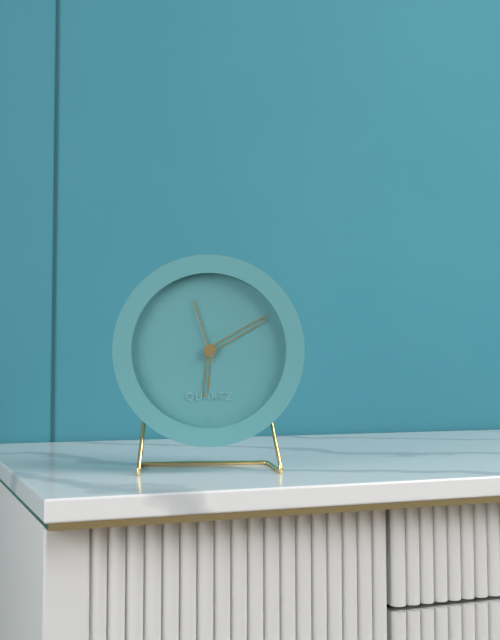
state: 6:10:57
